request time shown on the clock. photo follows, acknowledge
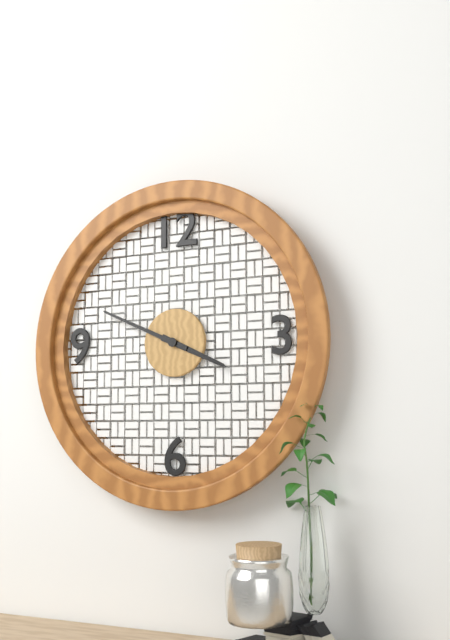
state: 3:49
